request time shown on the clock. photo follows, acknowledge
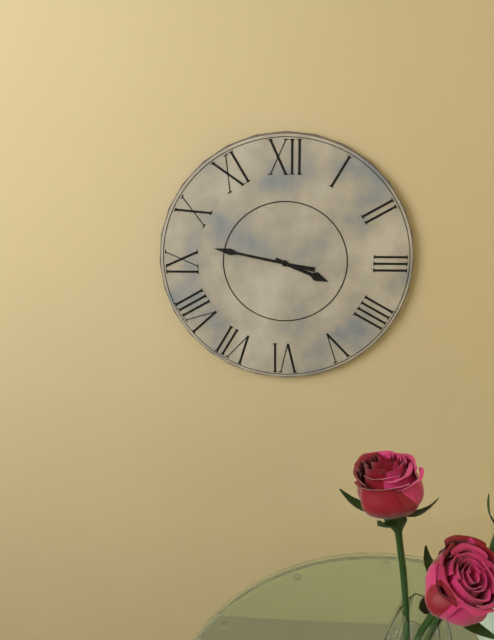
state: 3:47
